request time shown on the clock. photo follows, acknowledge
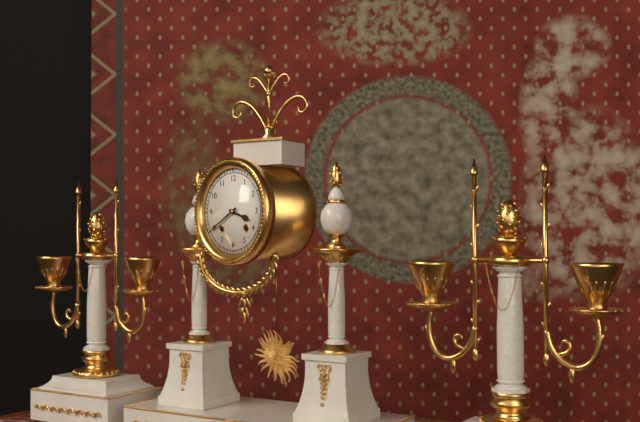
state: 3:40
